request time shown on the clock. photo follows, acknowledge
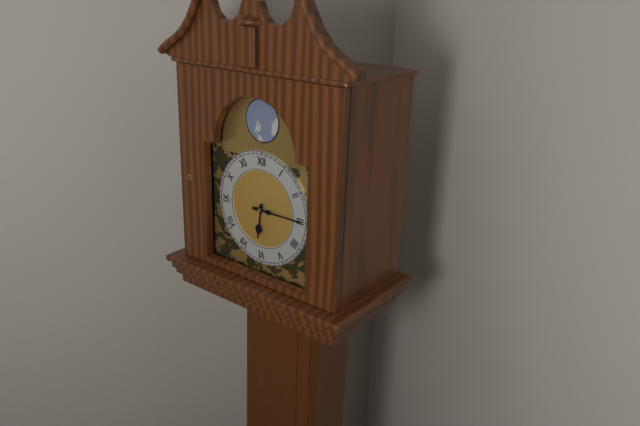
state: 6:15
